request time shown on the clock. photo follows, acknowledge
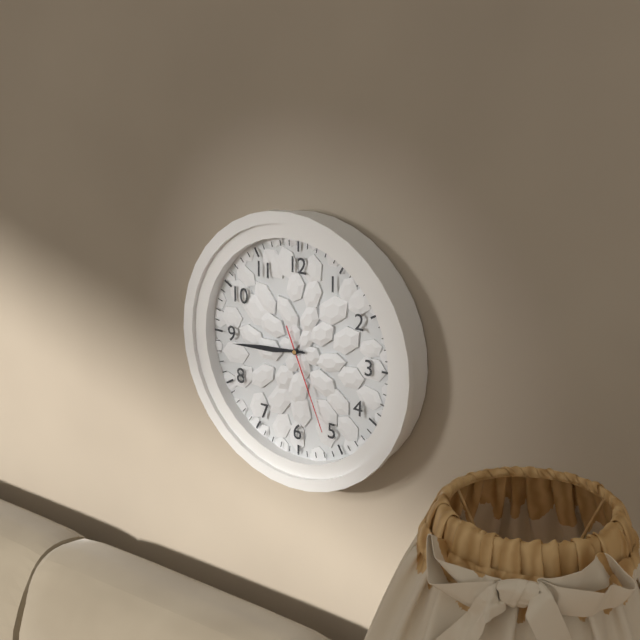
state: 8:44:26
